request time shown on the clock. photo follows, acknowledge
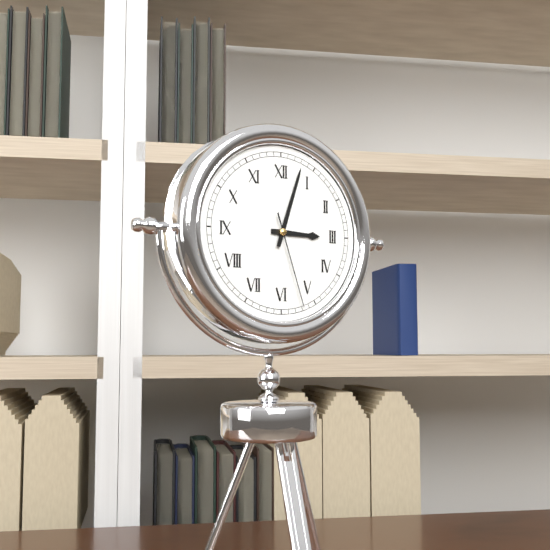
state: 3:03:27
